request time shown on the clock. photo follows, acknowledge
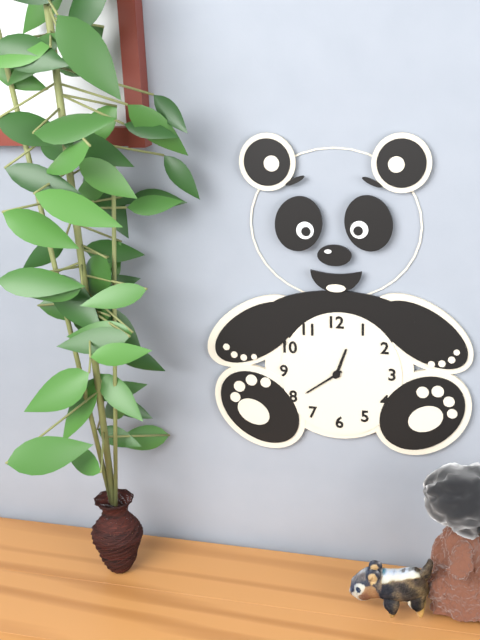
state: 12:39
